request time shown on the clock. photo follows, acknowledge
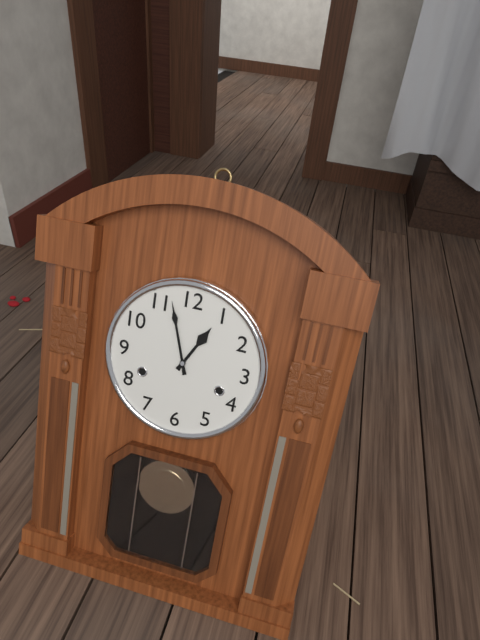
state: 12:57
